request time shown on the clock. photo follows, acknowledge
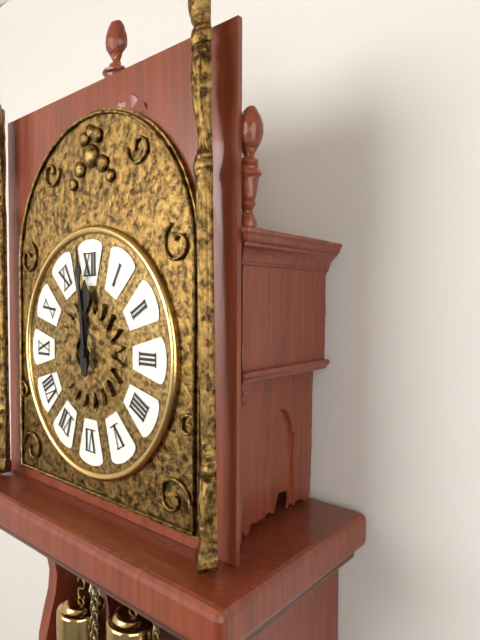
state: 11:59
